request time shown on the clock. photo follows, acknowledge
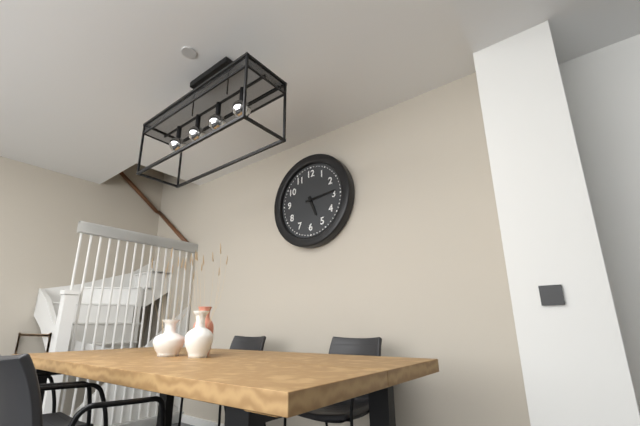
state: 5:14
